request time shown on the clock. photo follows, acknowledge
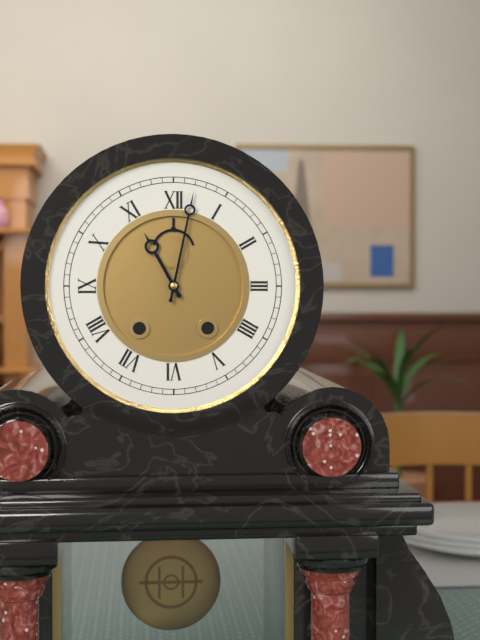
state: 11:02
